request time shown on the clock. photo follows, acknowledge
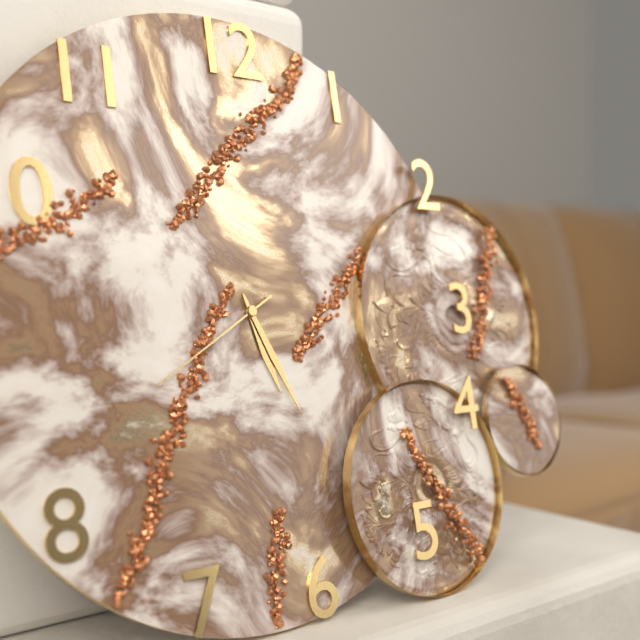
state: 5:26:40
